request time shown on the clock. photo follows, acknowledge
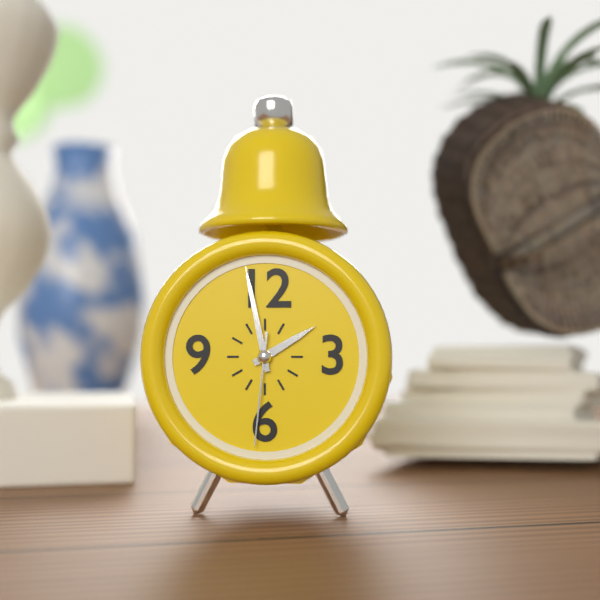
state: 1:58:31
